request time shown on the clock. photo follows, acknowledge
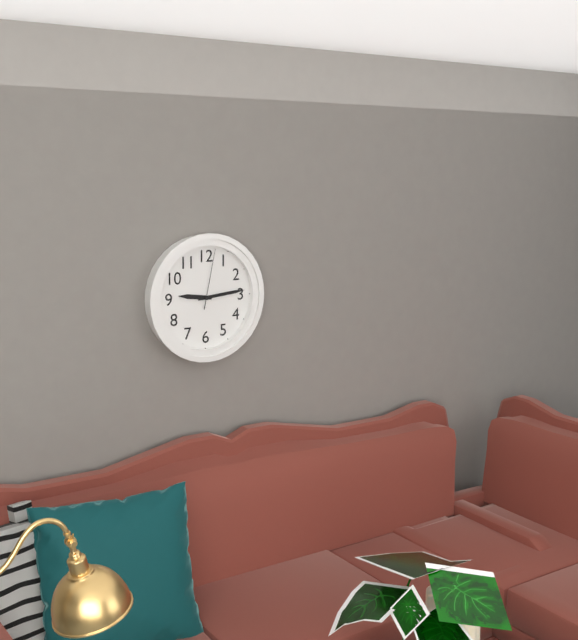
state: 9:14:02
